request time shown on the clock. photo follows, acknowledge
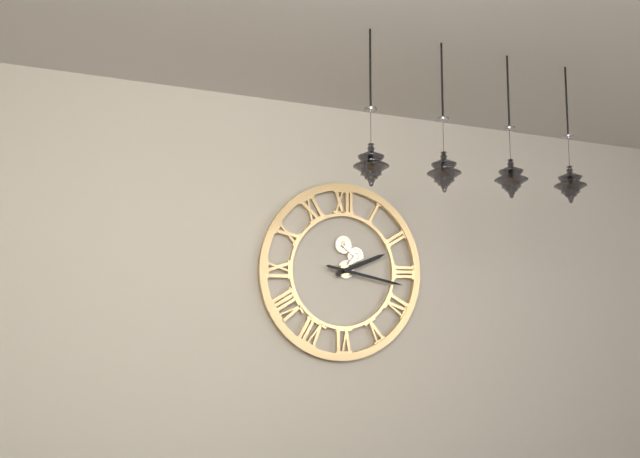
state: 2:17
